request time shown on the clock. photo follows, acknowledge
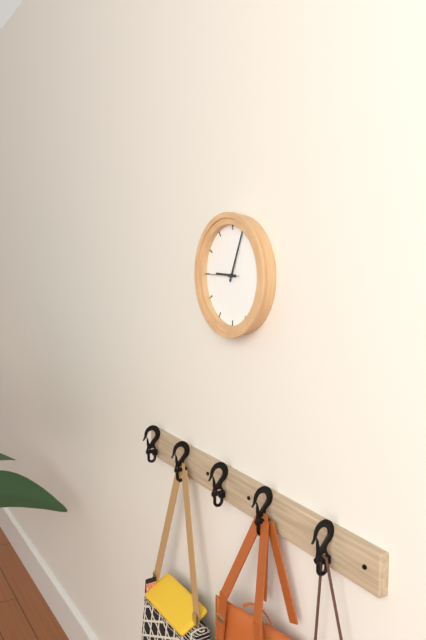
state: 9:04
